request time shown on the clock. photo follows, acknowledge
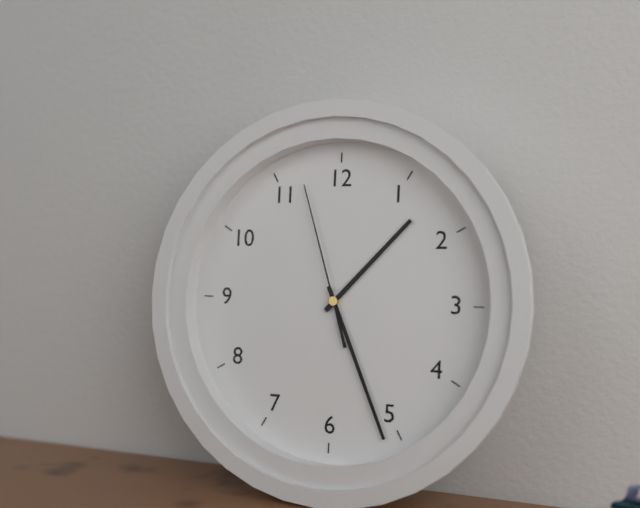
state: 1:26:57
